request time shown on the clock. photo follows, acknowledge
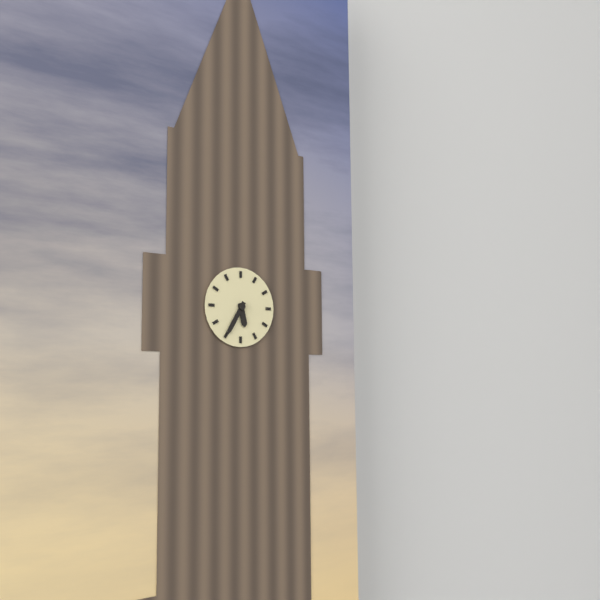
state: 5:35
